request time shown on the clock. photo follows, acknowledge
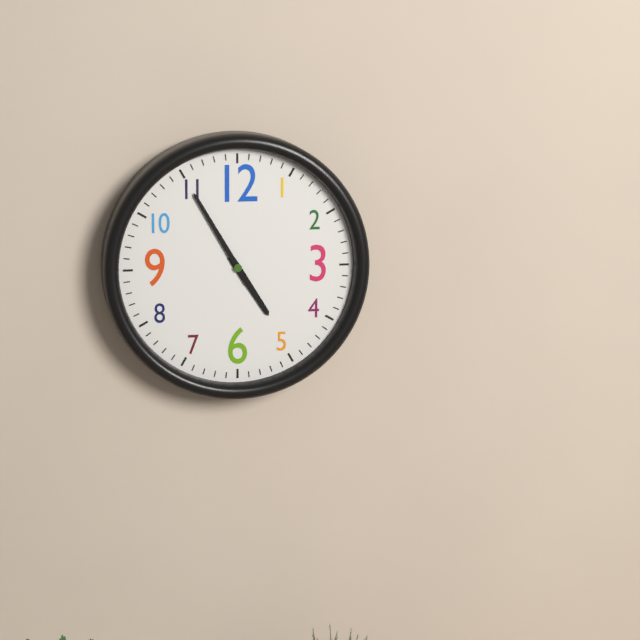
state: 4:55
